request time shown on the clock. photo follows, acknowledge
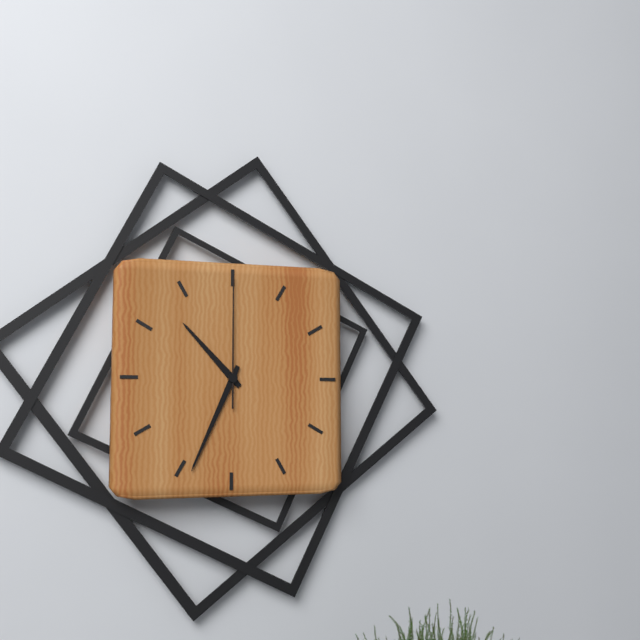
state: 10:34:00
